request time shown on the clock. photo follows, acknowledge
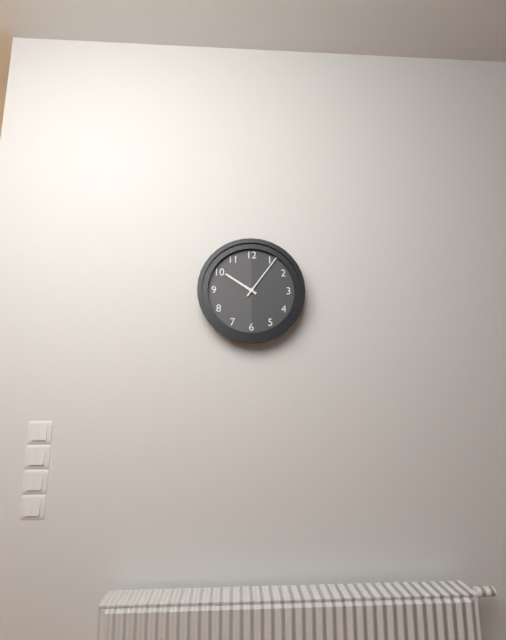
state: 10:06
